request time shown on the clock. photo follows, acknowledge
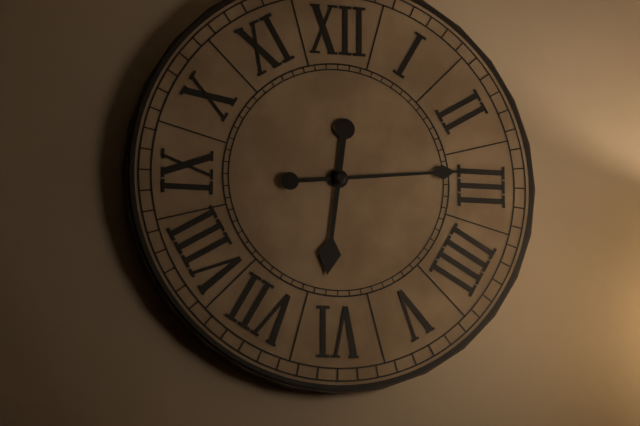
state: 6:14
